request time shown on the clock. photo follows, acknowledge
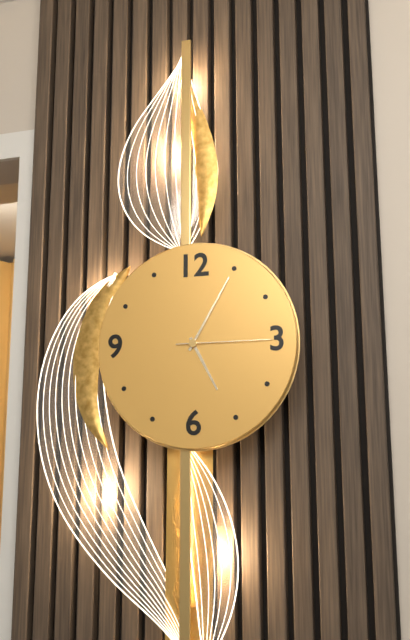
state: 5:05:15
